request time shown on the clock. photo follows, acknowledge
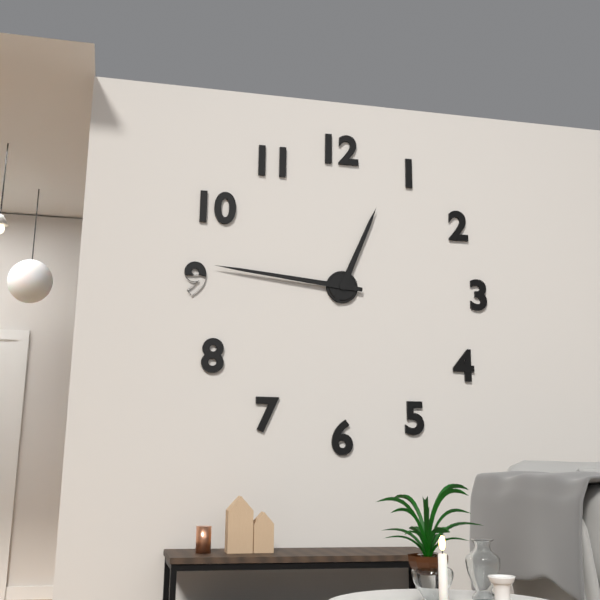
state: 12:46
